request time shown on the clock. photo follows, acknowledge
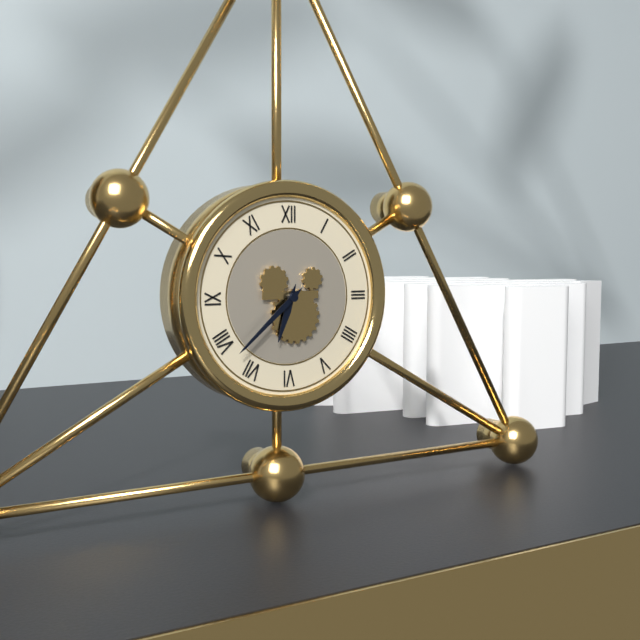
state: 6:38
